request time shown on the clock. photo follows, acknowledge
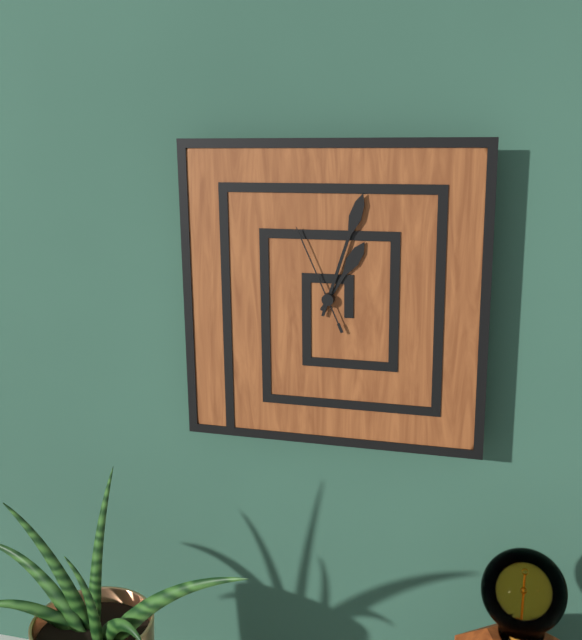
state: 1:03:56
